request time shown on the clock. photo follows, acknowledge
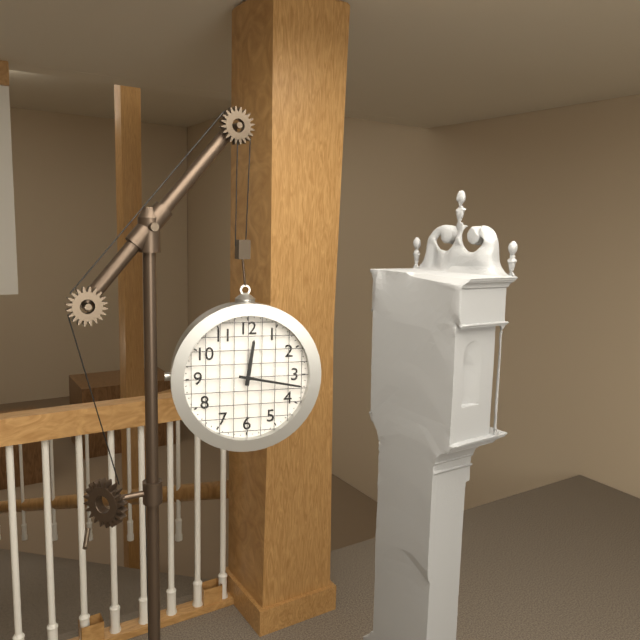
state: 12:17
